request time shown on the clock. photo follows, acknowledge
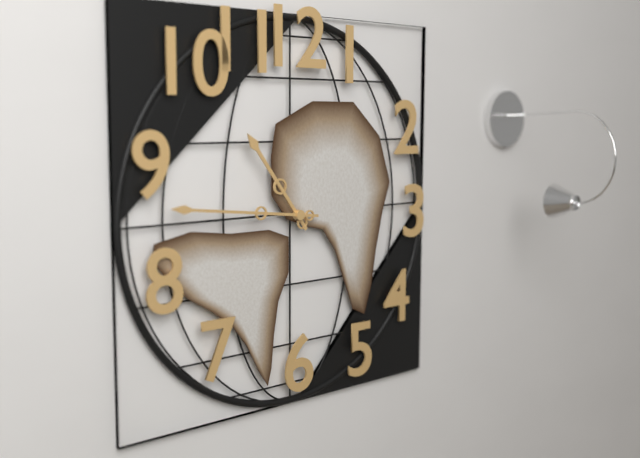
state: 10:46
